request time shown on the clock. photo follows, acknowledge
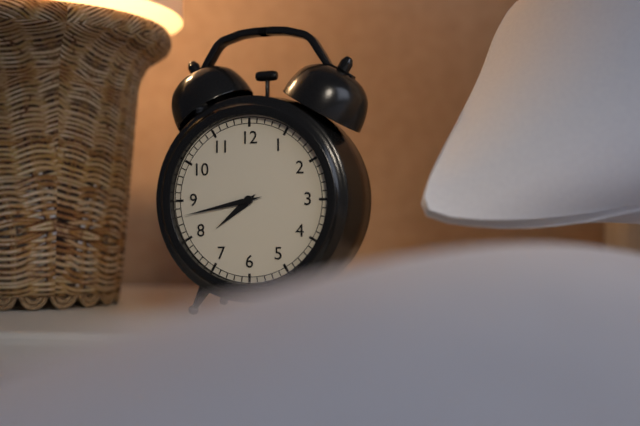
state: 7:43
